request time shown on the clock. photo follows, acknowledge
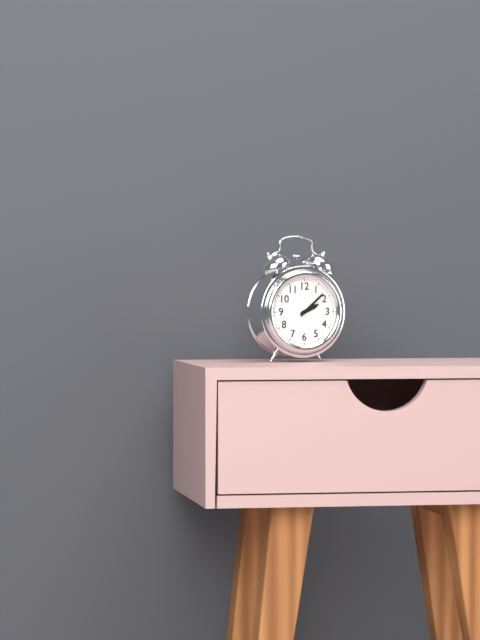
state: 2:08
